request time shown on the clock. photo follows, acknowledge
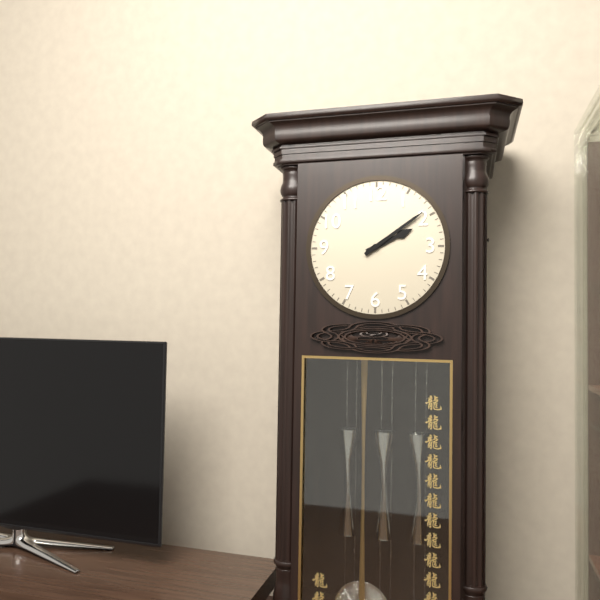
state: 2:09
